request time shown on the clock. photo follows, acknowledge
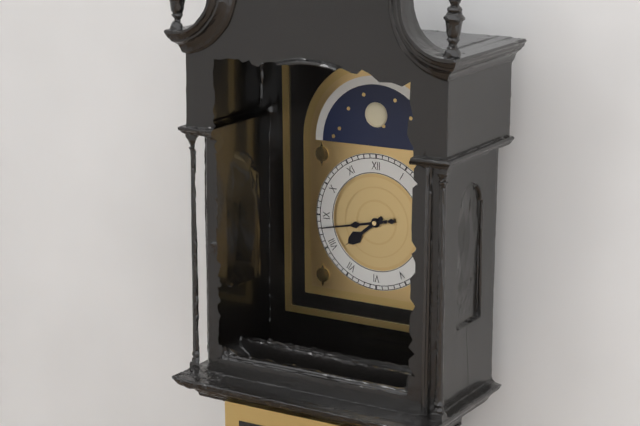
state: 7:43
